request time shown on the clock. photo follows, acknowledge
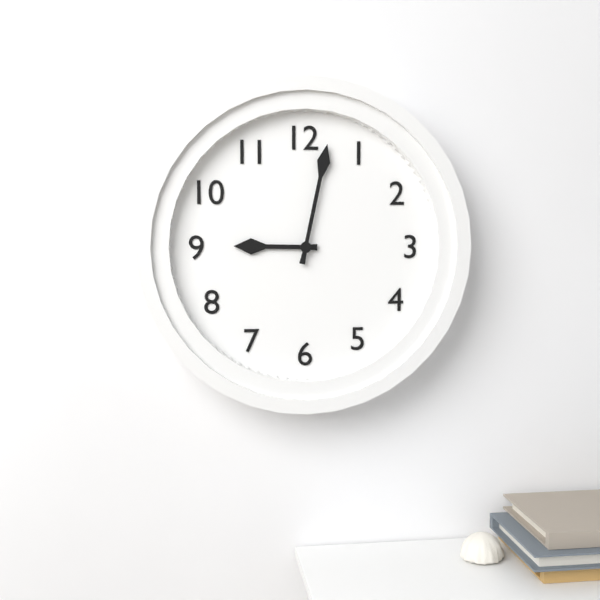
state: 9:02
